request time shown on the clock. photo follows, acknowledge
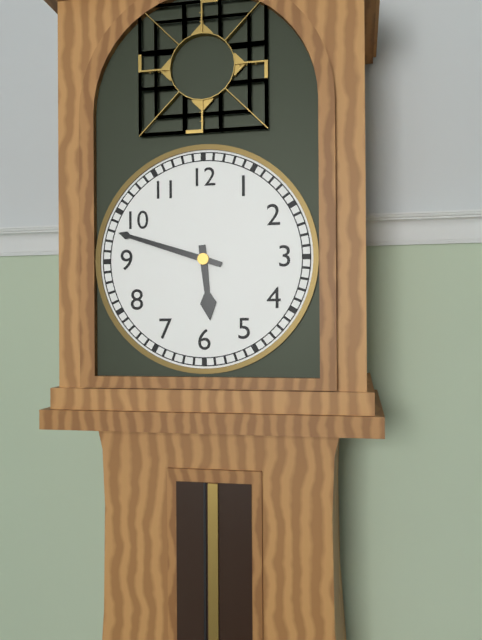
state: 5:48
